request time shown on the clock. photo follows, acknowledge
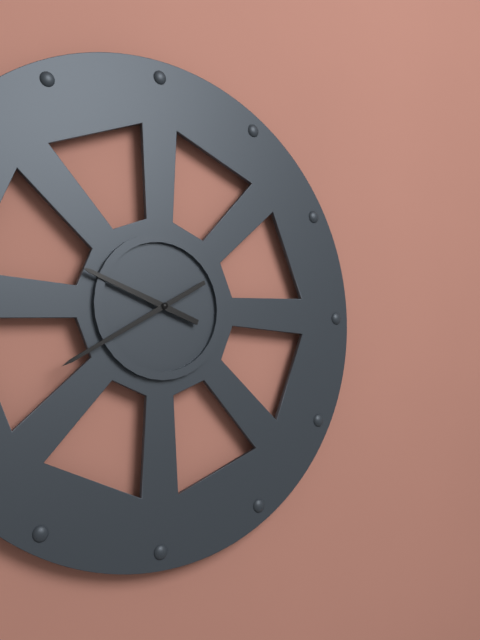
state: 9:40
